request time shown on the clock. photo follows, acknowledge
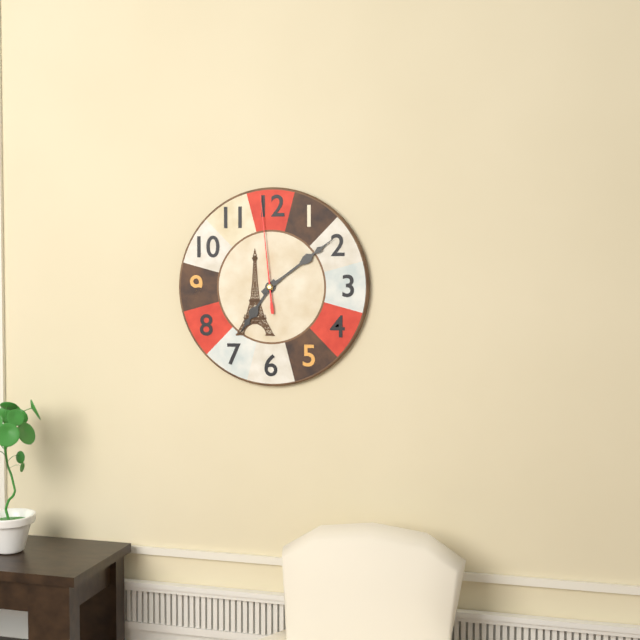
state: 7:09:59
